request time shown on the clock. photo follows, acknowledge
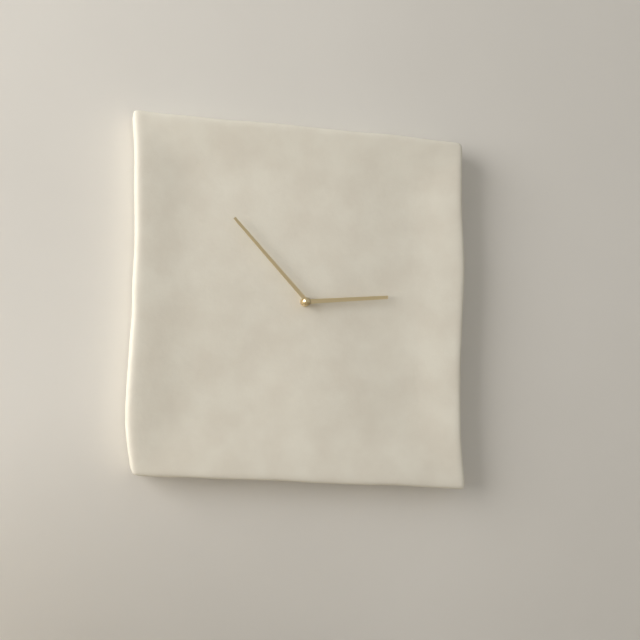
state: 2:53
